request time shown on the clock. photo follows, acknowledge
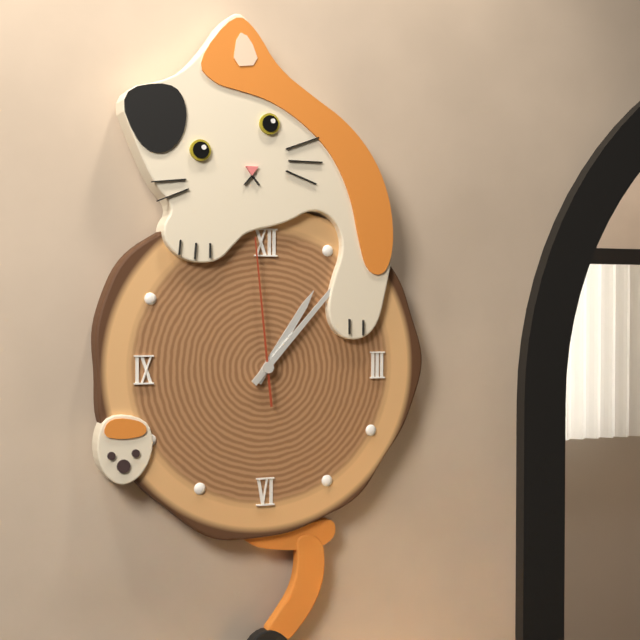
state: 1:07:59
